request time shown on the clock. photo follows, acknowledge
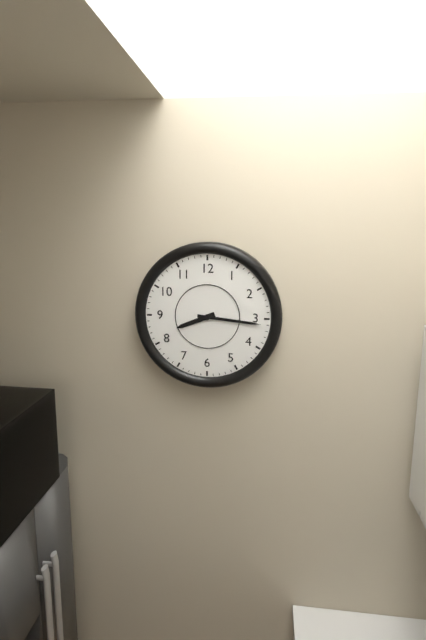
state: 8:16
